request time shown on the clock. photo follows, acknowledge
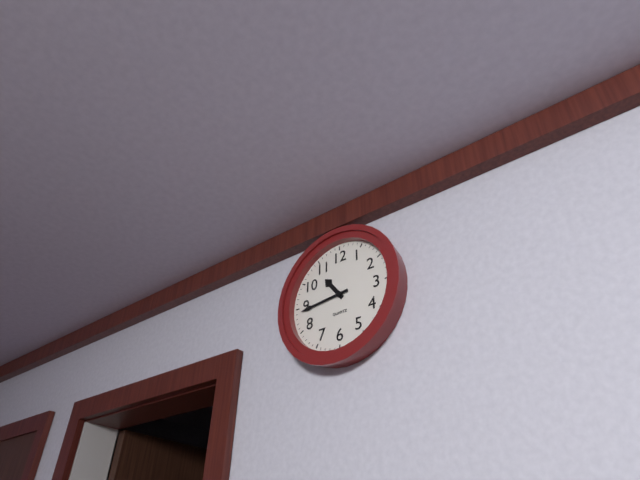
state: 10:44
